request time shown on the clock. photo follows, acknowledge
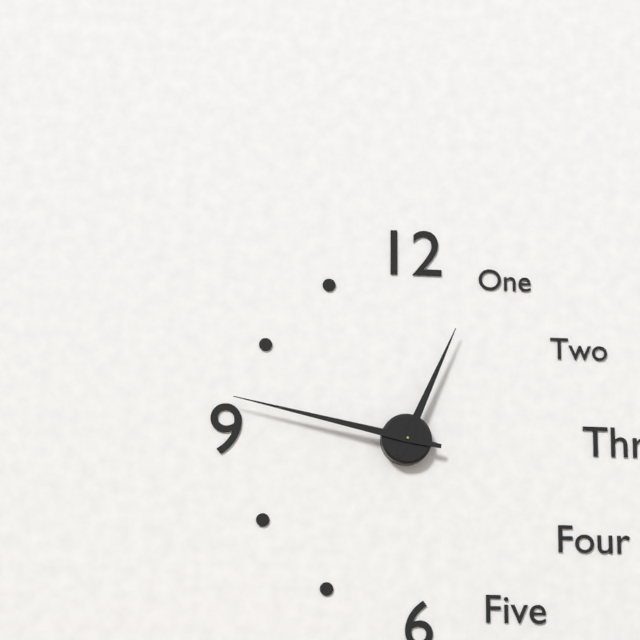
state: 12:47
